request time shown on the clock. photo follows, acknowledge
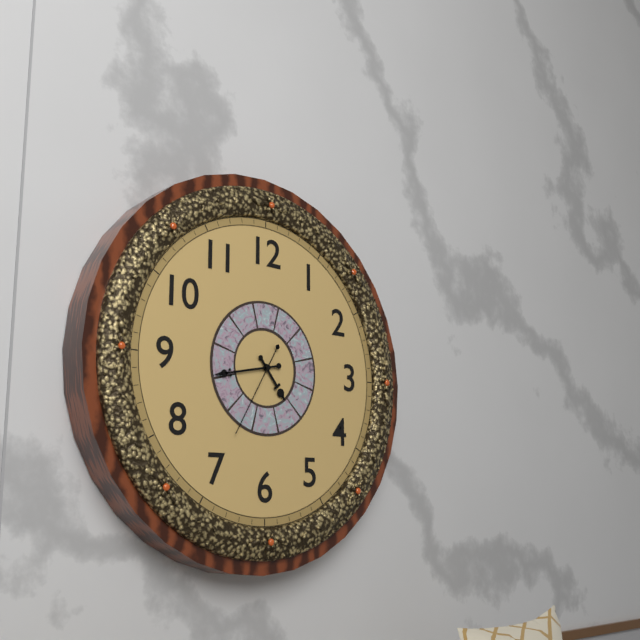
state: 4:43:35
